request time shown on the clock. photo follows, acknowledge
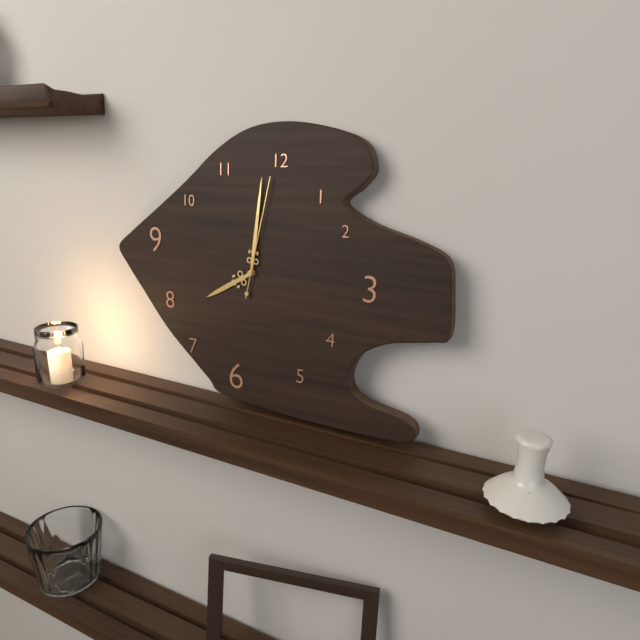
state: 8:01:02
